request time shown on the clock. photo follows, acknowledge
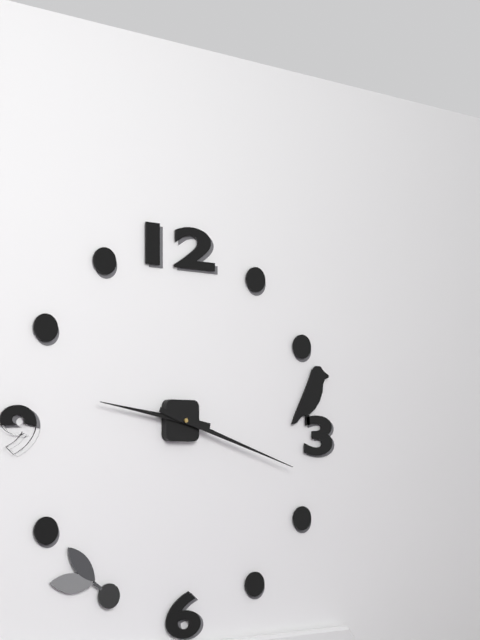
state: 9:18
